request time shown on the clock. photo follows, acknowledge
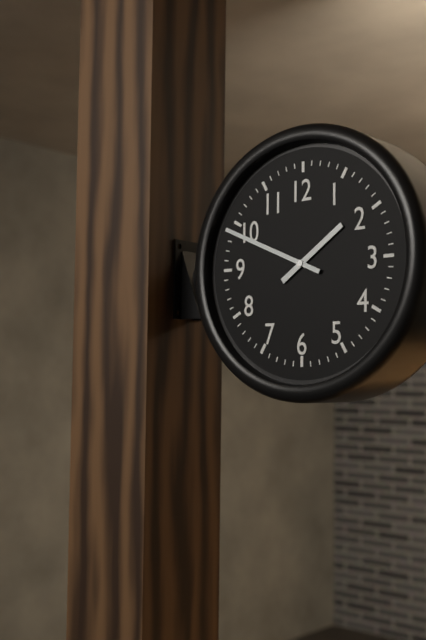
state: 1:49
